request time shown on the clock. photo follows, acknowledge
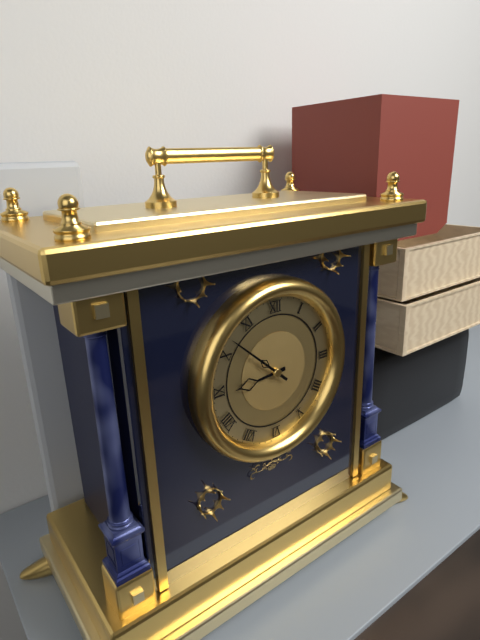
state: 8:52
